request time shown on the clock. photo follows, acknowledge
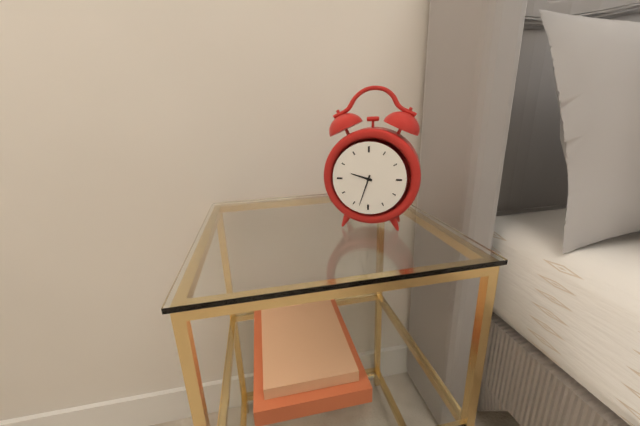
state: 9:33
